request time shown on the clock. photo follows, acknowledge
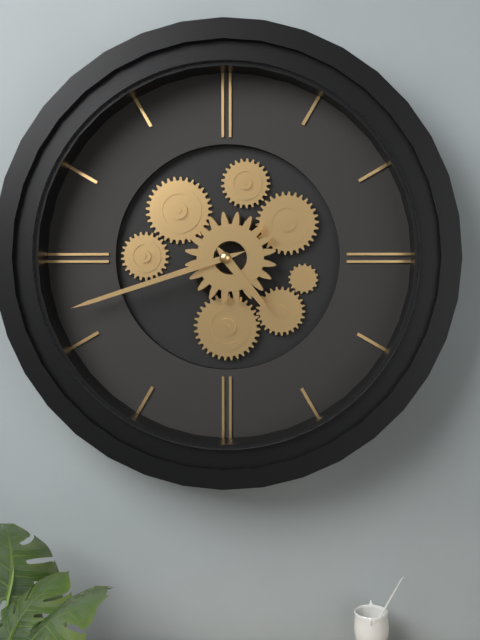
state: 4:42
